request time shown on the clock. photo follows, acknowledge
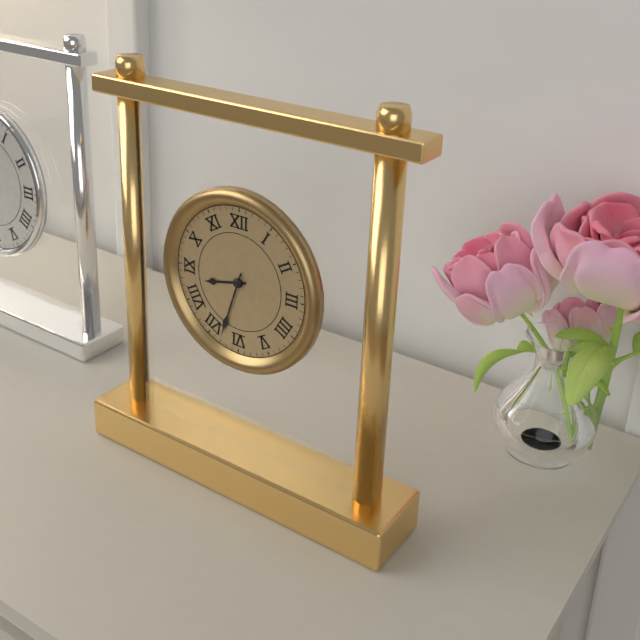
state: 8:33
